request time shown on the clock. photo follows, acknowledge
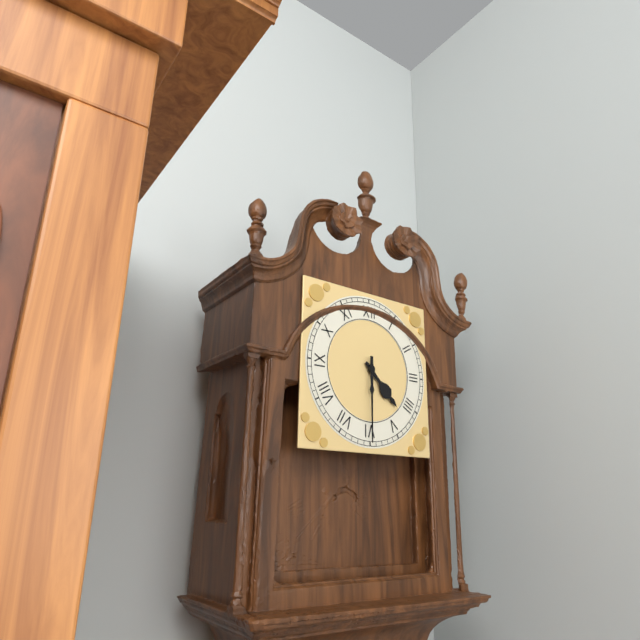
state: 4:30
